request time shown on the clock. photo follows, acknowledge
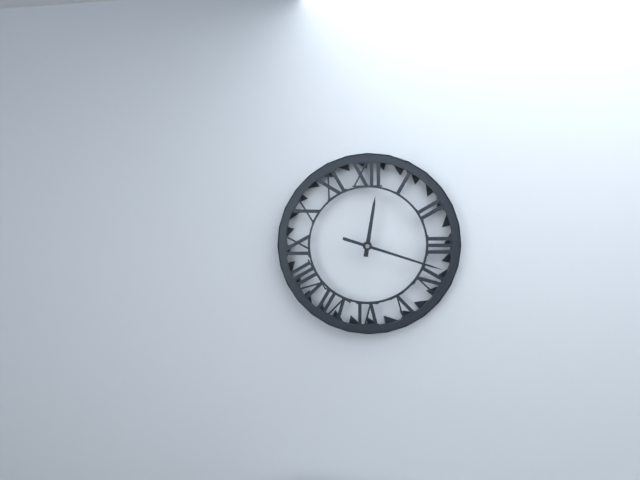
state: 12:18
